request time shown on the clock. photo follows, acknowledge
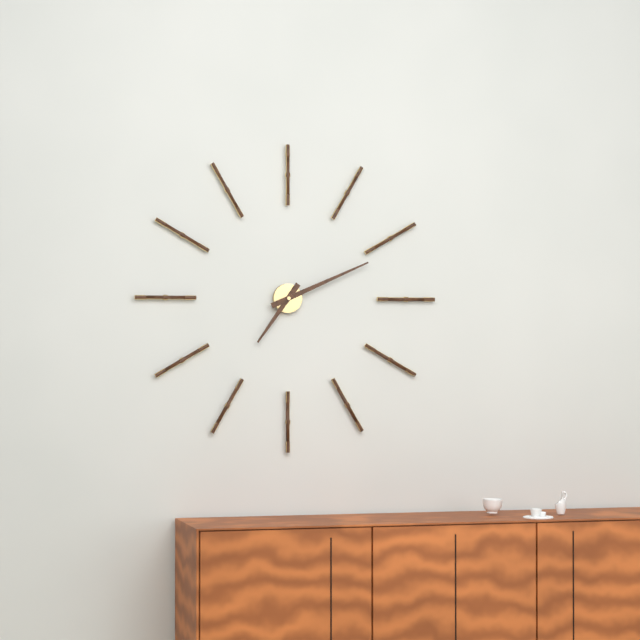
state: 7:11
